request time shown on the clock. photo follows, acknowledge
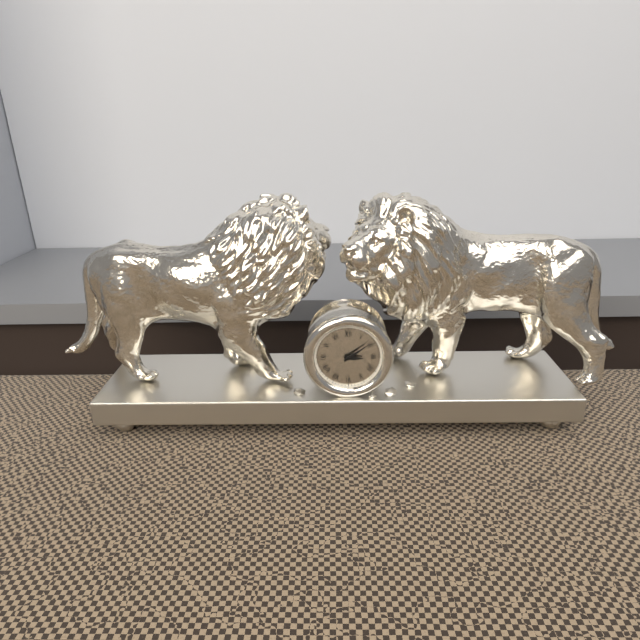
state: 3:09
